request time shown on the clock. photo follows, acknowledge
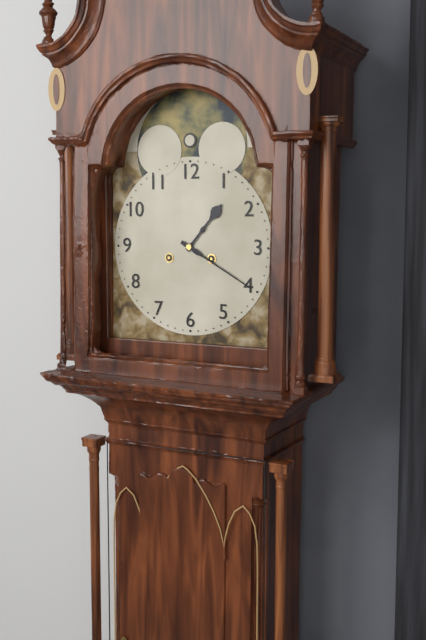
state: 1:20
